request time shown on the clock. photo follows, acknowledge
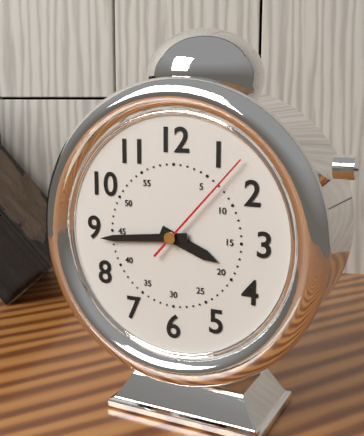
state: 3:44:07
